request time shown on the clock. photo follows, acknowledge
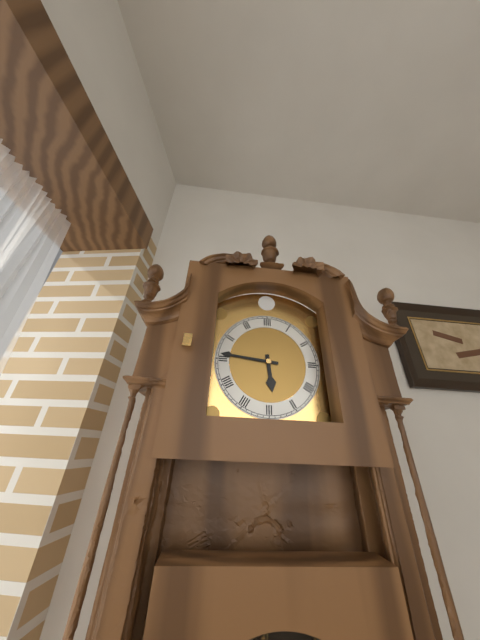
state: 5:46
